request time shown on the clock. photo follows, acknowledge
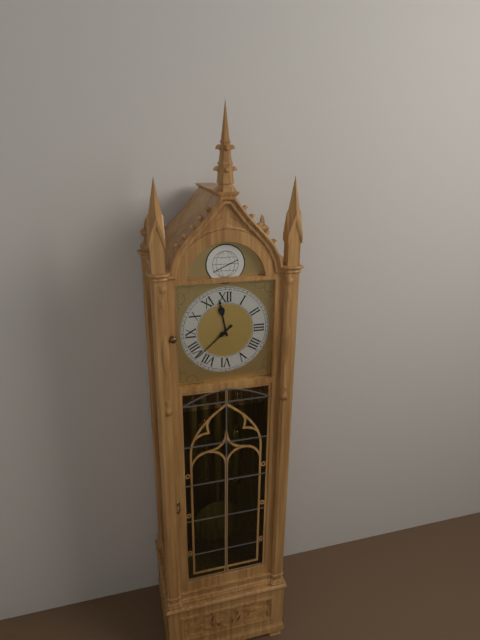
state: 11:38
